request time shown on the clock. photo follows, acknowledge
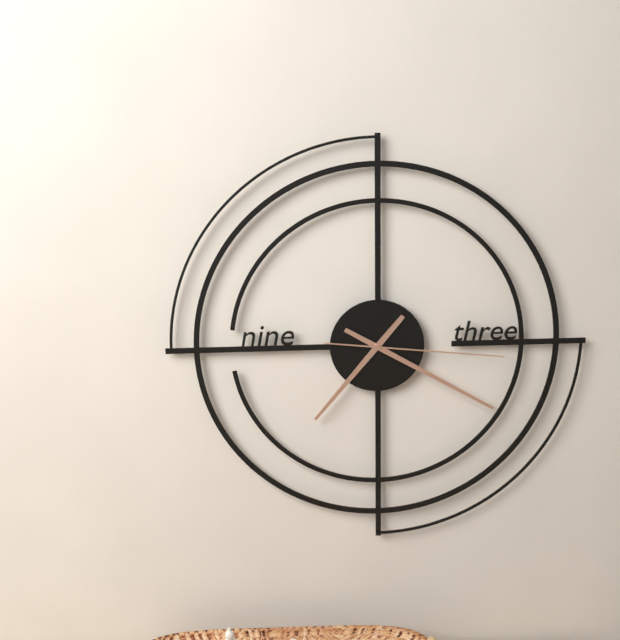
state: 7:20:16
